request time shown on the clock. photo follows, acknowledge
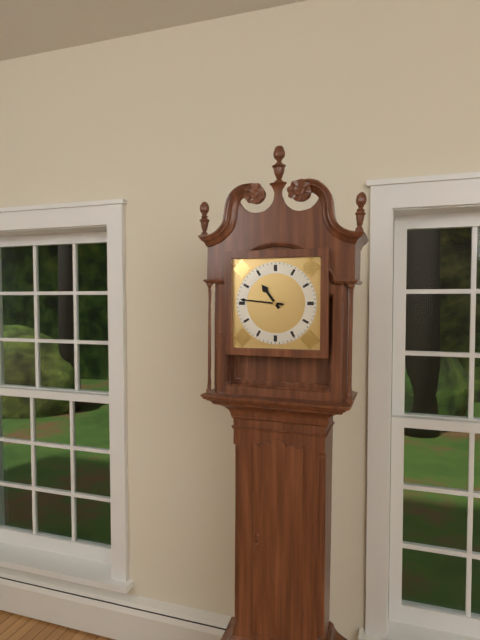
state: 10:46
